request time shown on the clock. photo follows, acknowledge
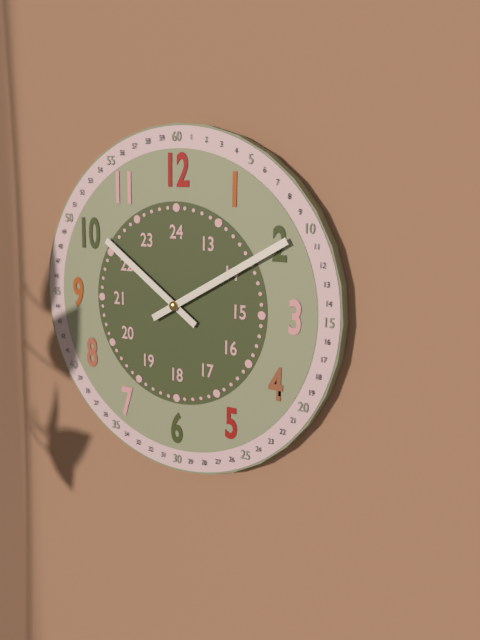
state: 10:10
